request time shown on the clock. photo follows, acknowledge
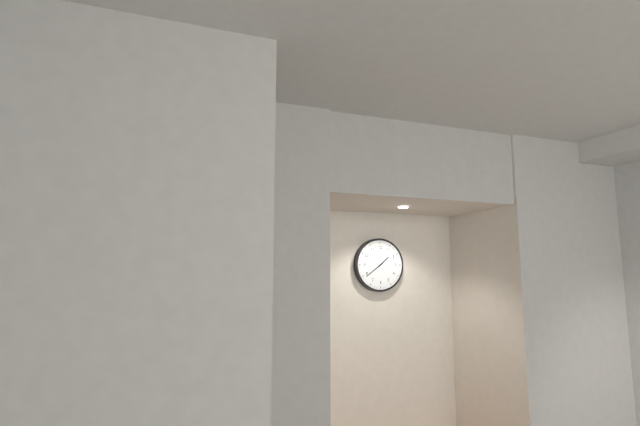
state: 1:39
